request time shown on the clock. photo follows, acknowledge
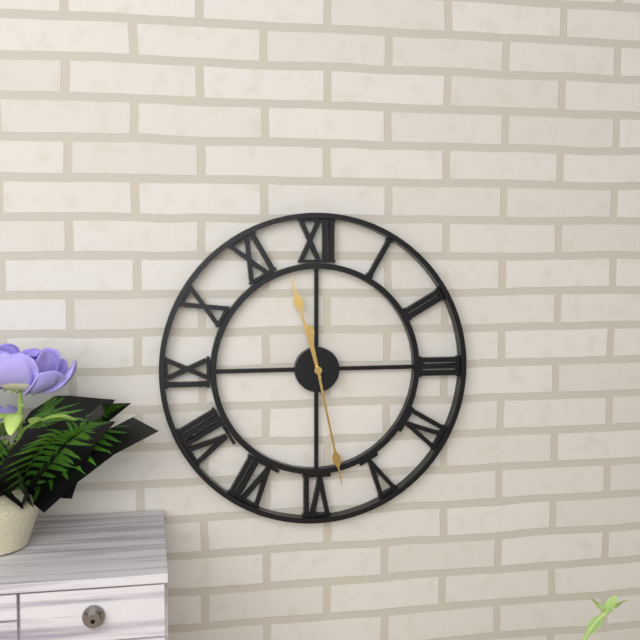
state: 11:28
